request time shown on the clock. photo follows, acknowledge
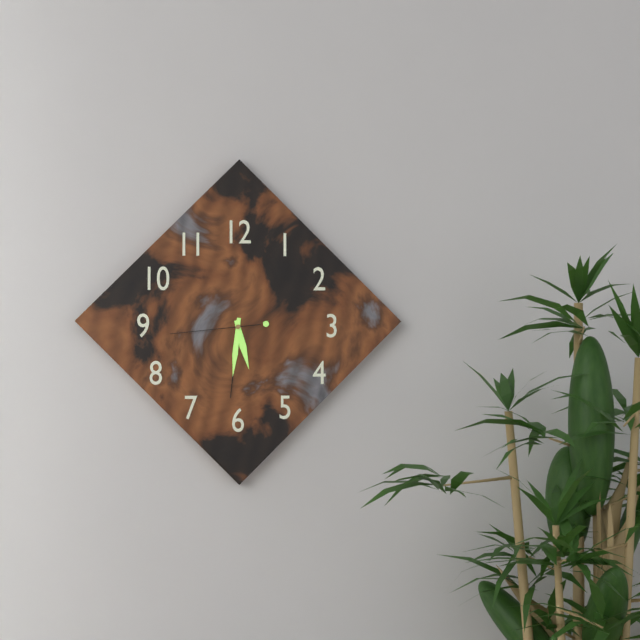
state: 5:31:44
